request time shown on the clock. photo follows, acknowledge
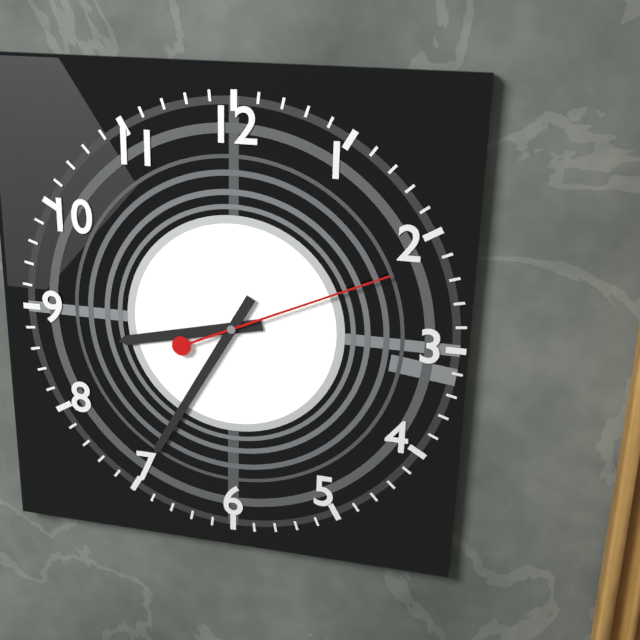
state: 8:35:11
